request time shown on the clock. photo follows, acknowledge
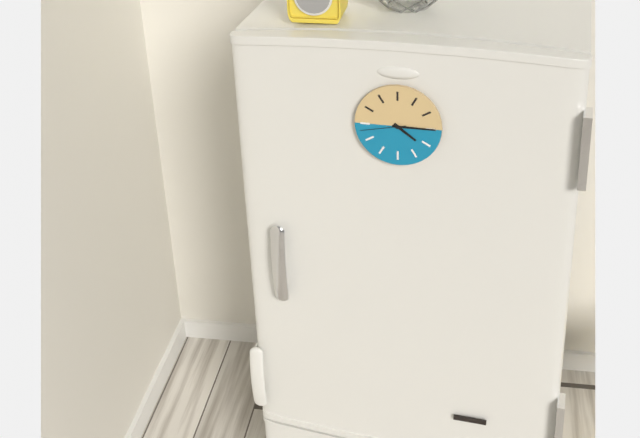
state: 4:15
